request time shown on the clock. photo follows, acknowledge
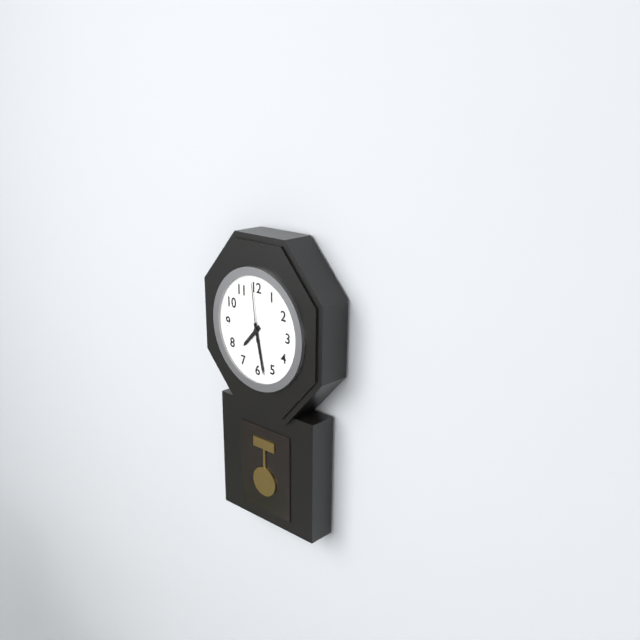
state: 7:28:59
